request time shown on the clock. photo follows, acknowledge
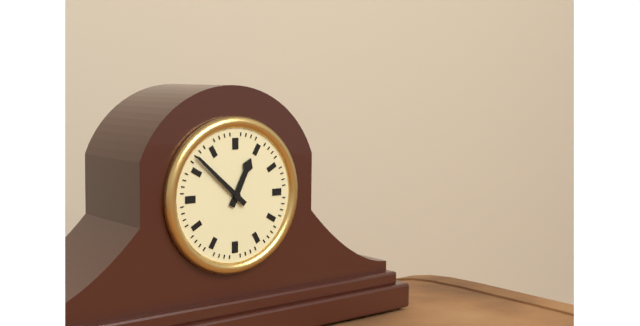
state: 12:52
